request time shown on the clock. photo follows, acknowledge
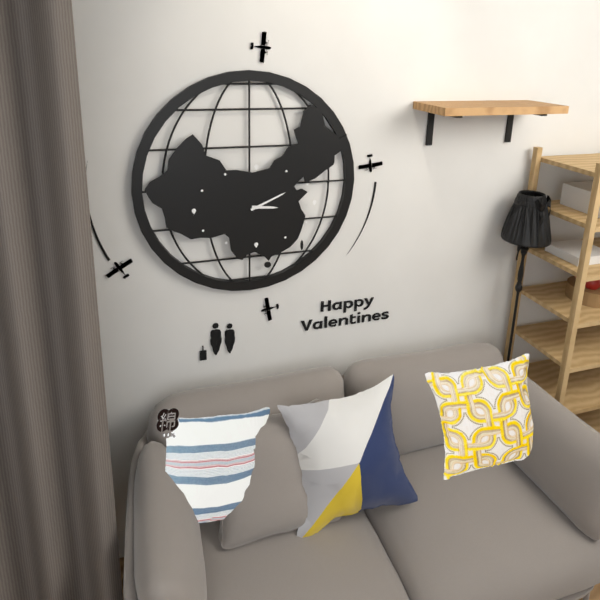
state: 3:11
